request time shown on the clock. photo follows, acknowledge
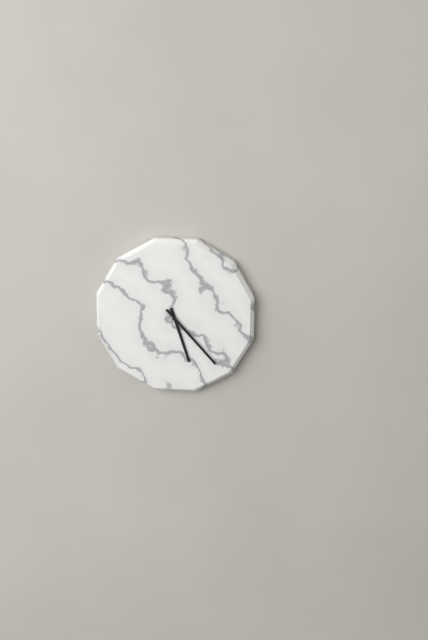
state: 5:23
